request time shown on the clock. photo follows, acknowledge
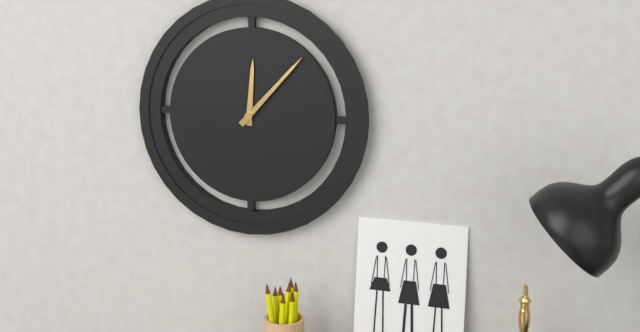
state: 12:07
